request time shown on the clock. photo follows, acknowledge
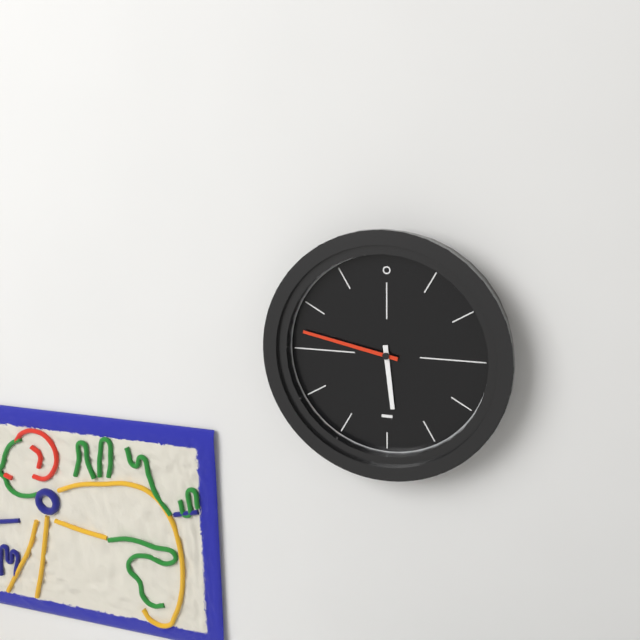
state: 5:47
